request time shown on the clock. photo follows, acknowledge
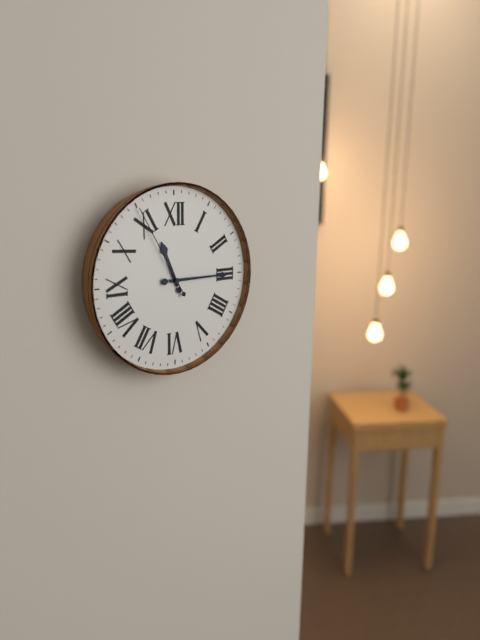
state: 11:15:55
